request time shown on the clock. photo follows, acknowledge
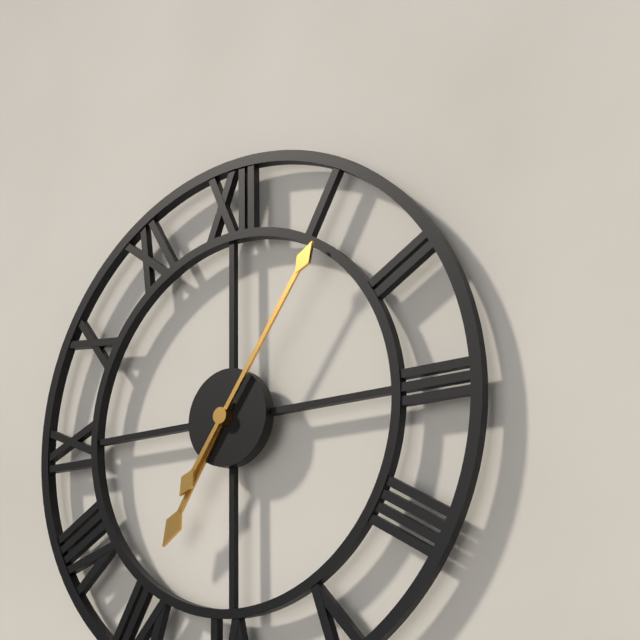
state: 7:06
